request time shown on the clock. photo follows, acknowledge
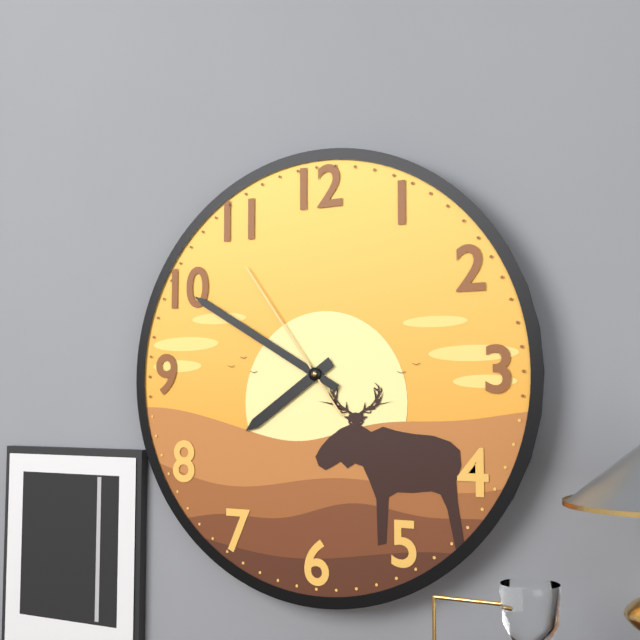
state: 7:50:54
